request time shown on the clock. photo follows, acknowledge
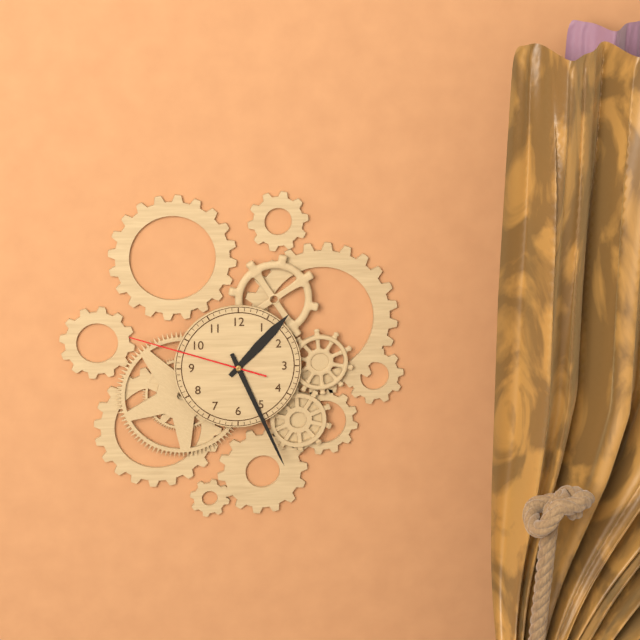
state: 1:26:48
